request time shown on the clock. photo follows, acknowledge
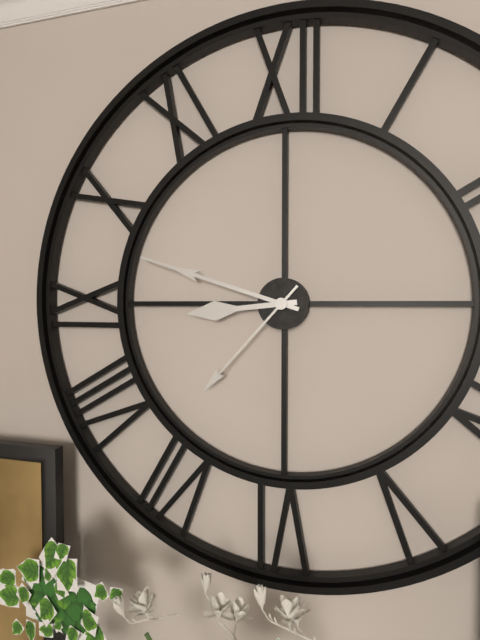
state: 8:48:37
